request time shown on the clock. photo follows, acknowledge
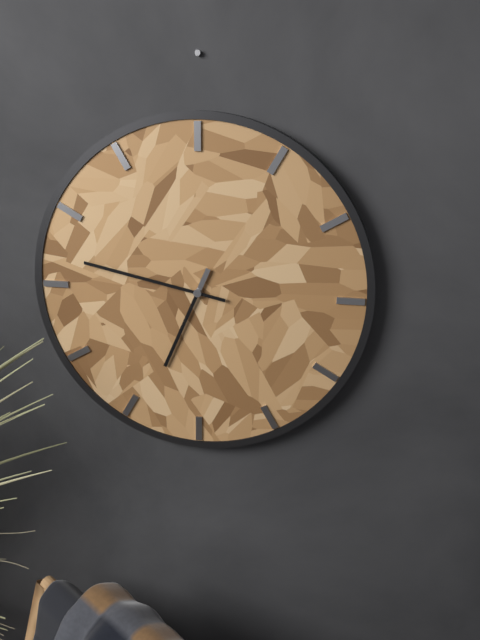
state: 6:47
